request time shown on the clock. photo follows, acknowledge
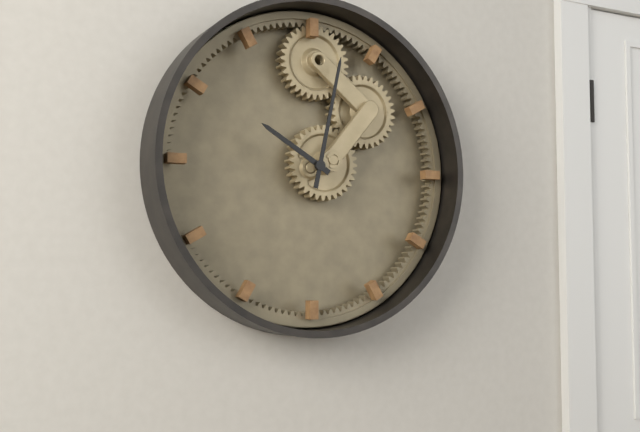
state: 10:02
